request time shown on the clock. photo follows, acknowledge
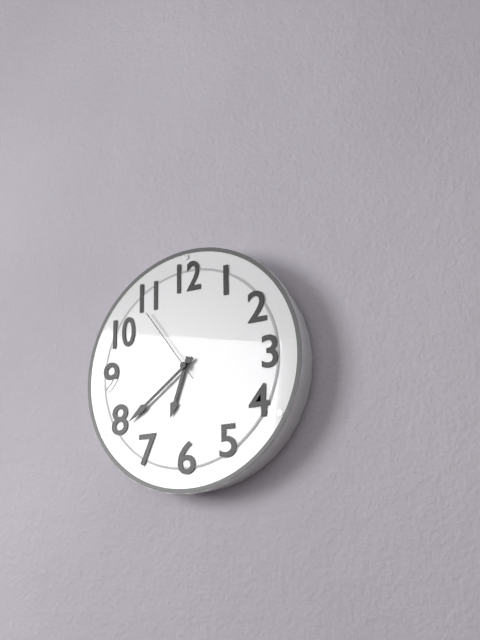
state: 6:39:54
